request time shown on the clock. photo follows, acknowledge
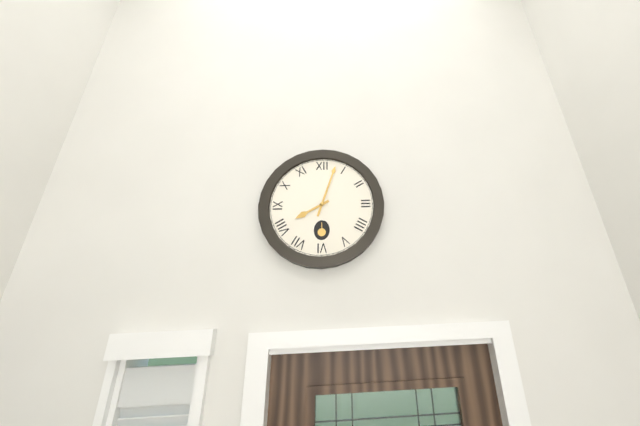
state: 8:03
